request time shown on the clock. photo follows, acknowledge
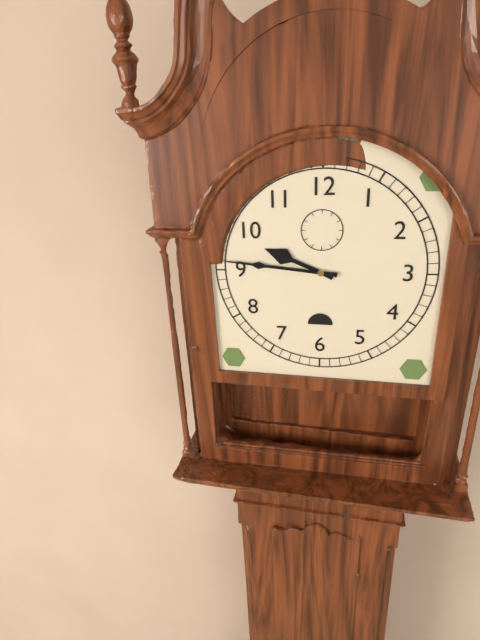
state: 9:46
